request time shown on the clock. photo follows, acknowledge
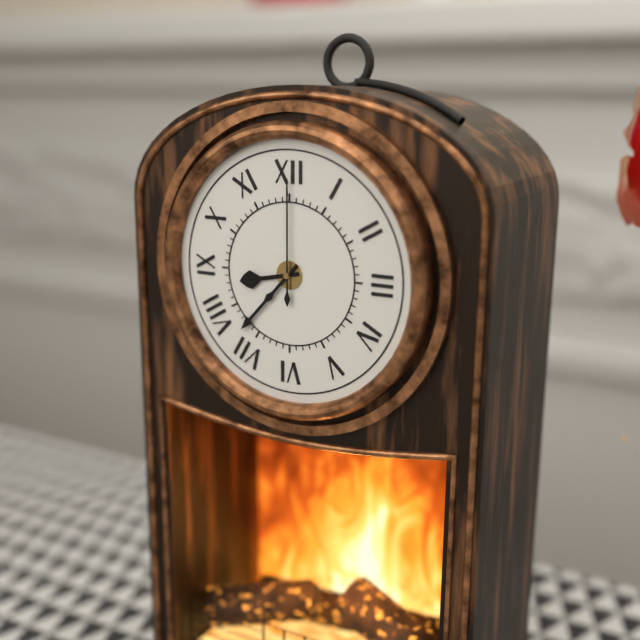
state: 8:37:00
